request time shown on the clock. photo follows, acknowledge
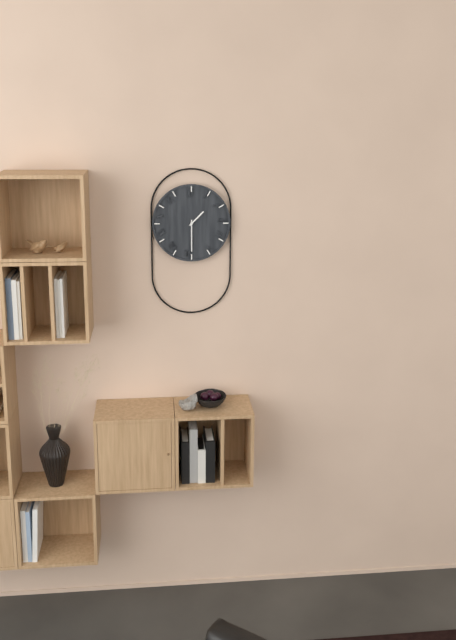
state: 1:30
